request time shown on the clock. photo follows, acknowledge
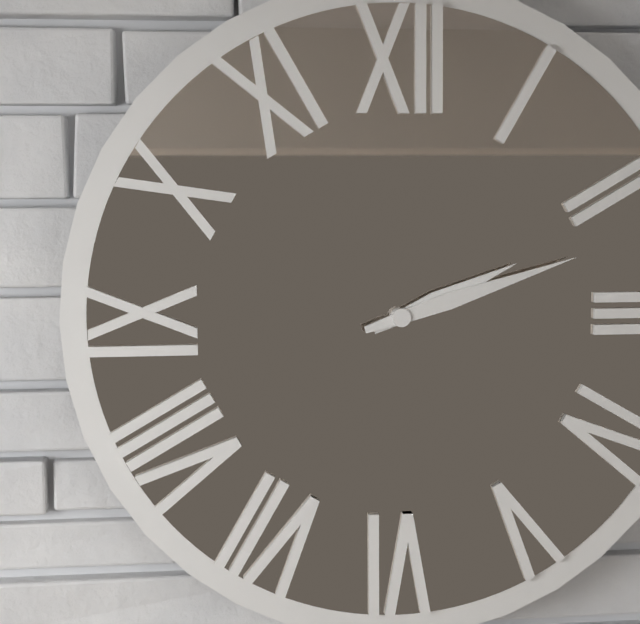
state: 2:12
